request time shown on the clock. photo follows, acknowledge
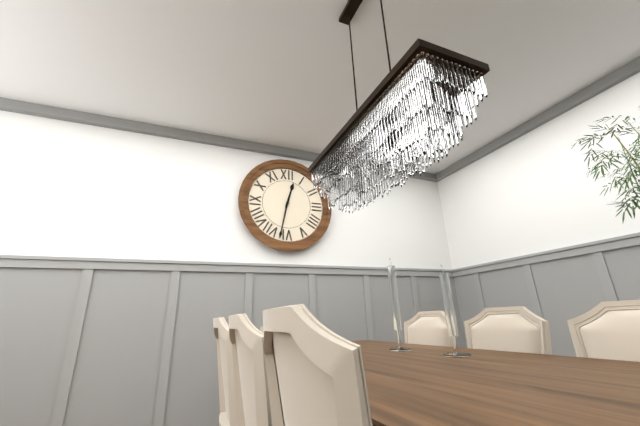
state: 12:32
